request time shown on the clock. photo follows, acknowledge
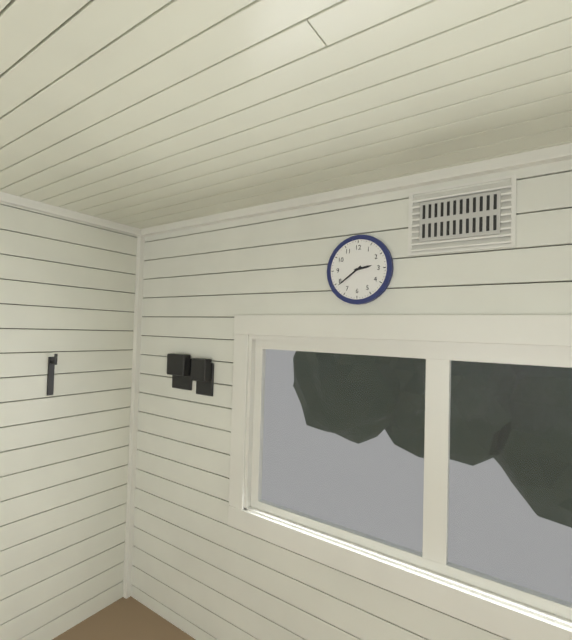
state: 2:39
